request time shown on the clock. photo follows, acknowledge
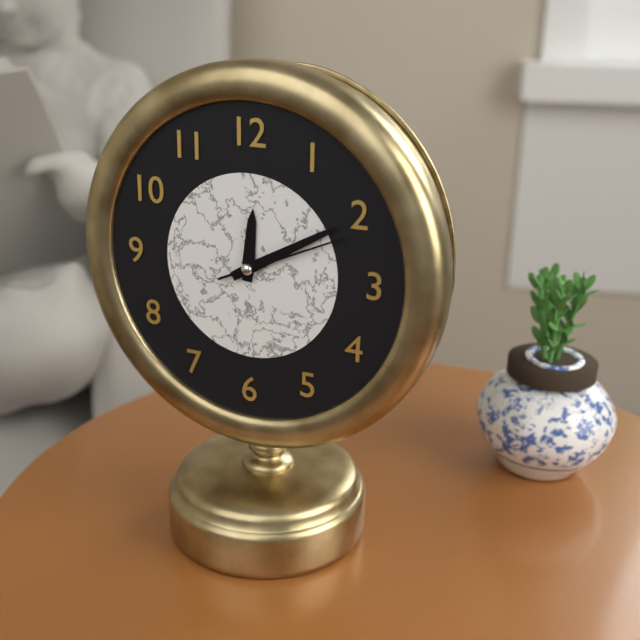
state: 12:10:11
